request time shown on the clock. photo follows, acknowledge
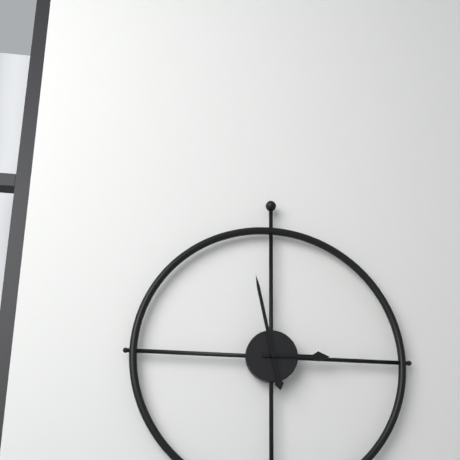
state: 2:58
